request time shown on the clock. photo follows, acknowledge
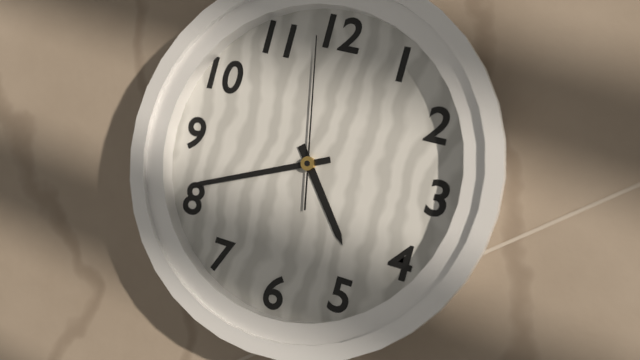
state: 4:41:58
